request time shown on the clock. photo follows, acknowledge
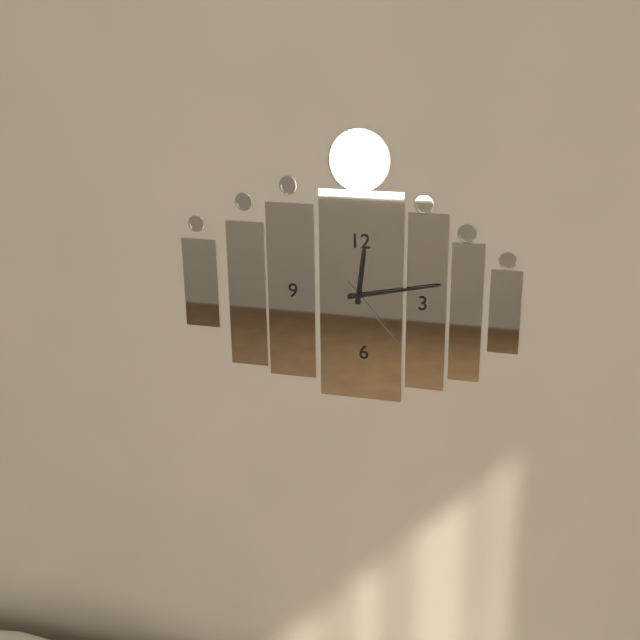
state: 12:13:23
